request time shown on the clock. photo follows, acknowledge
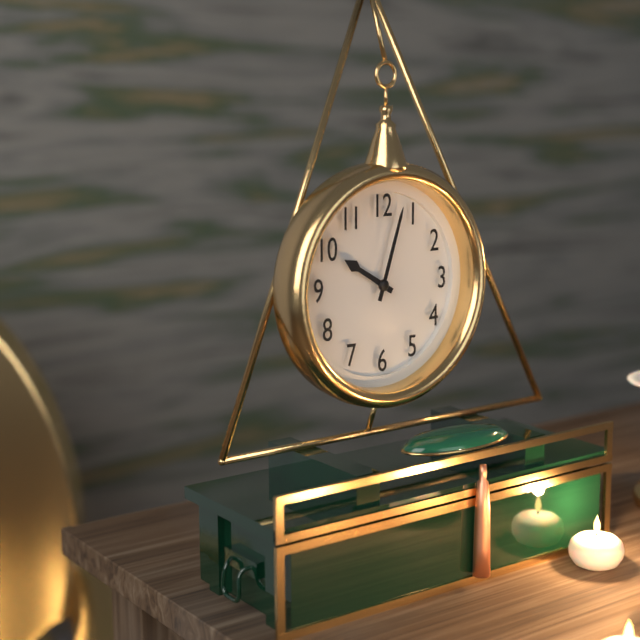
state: 10:03
